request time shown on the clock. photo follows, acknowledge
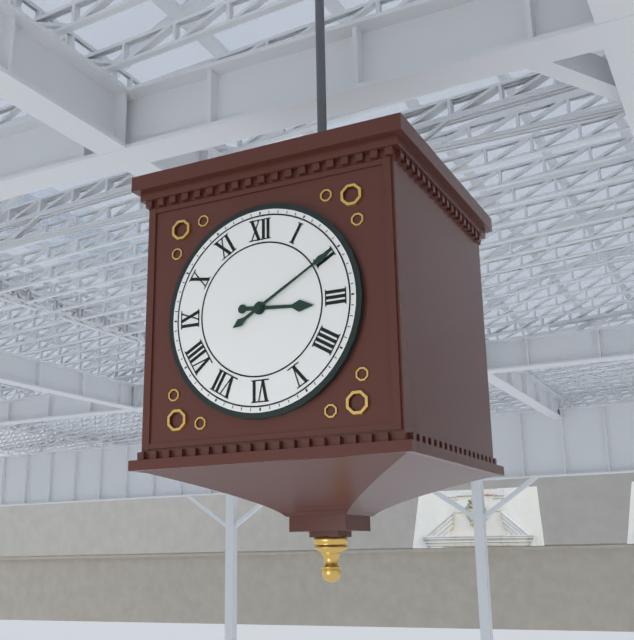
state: 3:10
